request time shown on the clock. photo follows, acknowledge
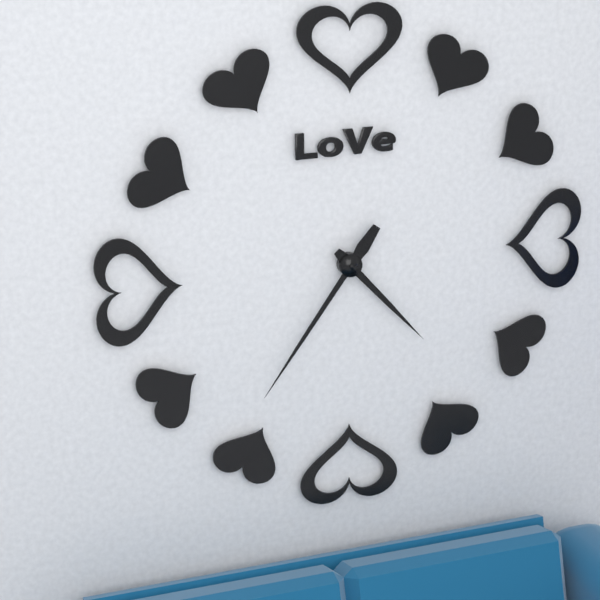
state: 4:36
